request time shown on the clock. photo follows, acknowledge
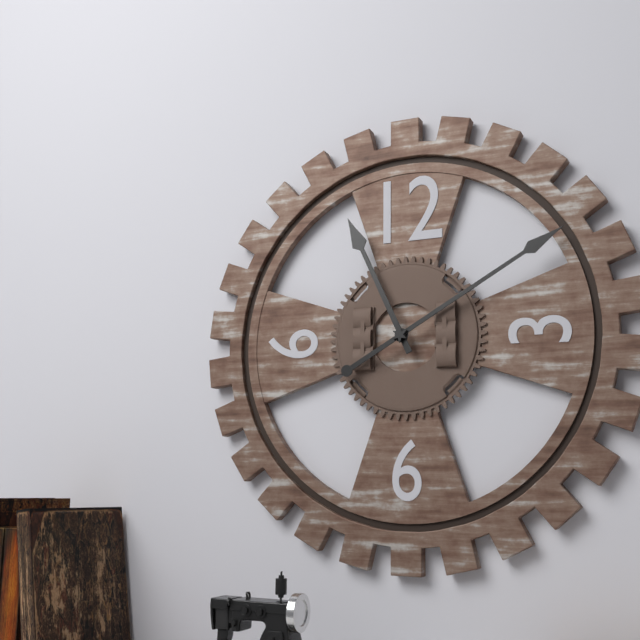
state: 11:10
